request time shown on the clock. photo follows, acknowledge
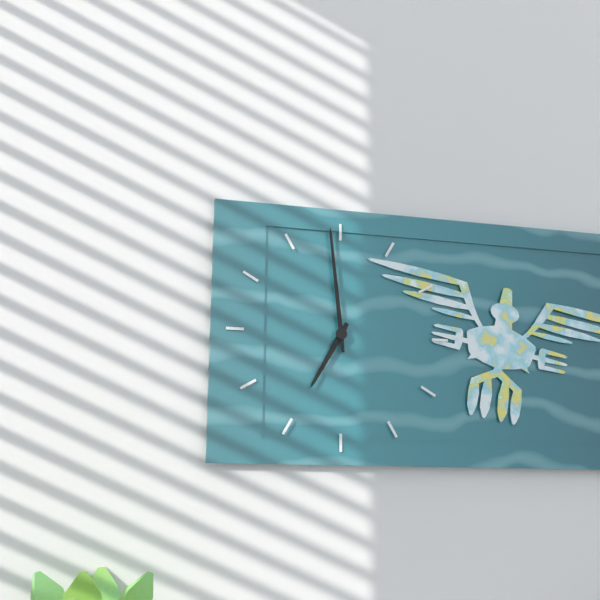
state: 6:59
